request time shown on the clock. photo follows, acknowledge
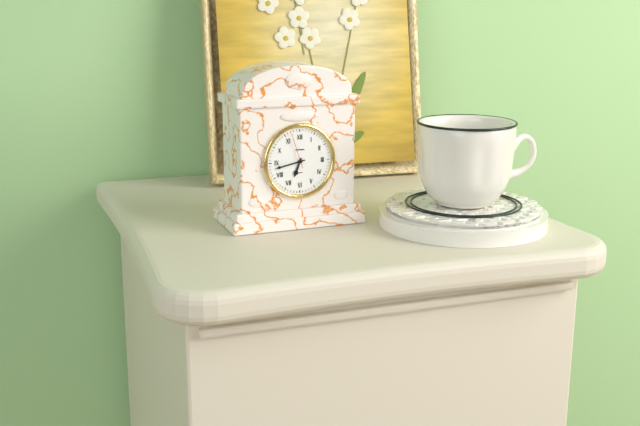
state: 6:43
